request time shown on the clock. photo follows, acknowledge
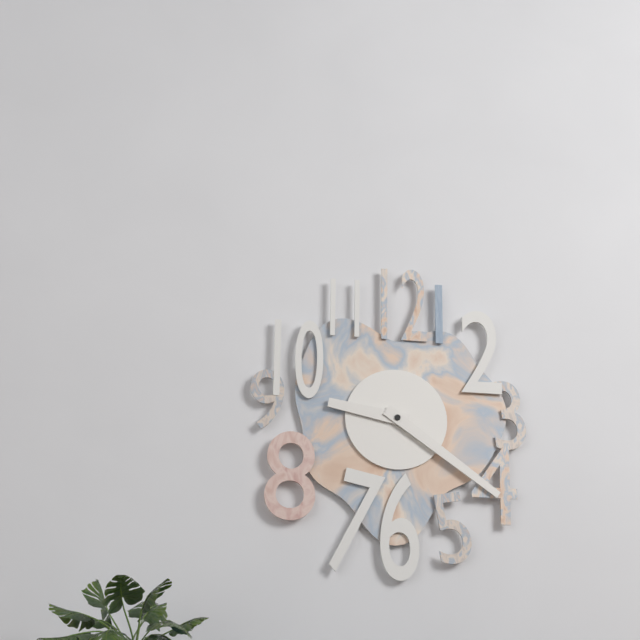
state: 9:21
